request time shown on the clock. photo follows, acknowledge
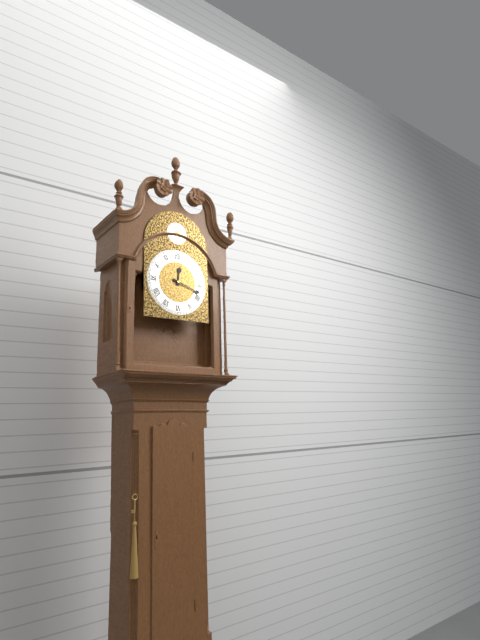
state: 12:18
